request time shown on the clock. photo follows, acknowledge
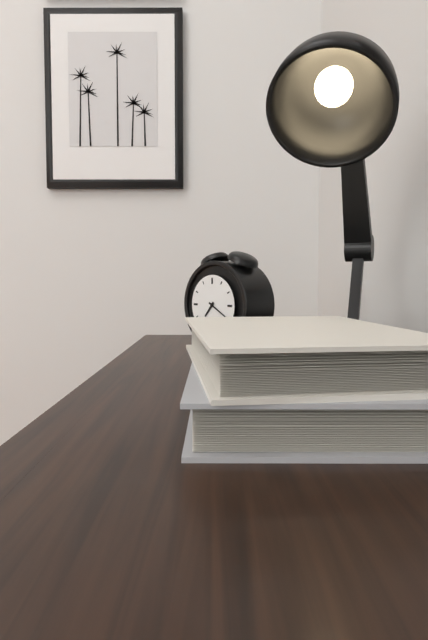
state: 7:20
